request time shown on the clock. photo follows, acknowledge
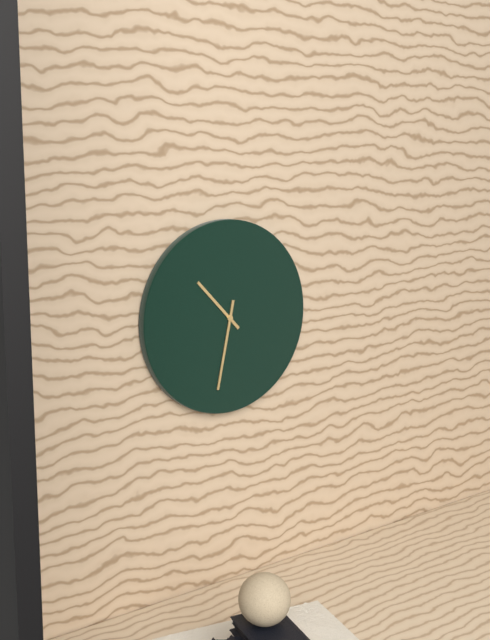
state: 10:32
